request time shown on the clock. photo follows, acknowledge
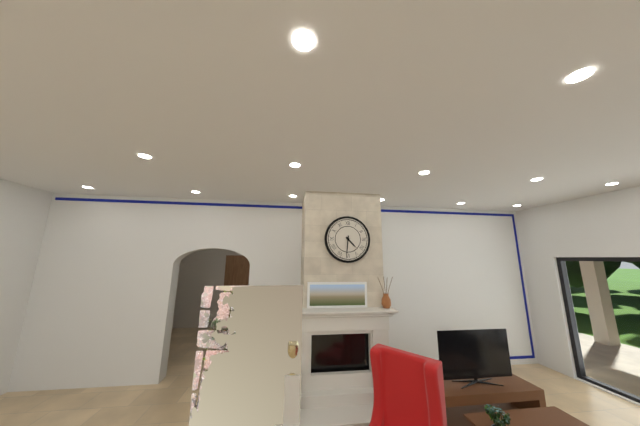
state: 4:31
